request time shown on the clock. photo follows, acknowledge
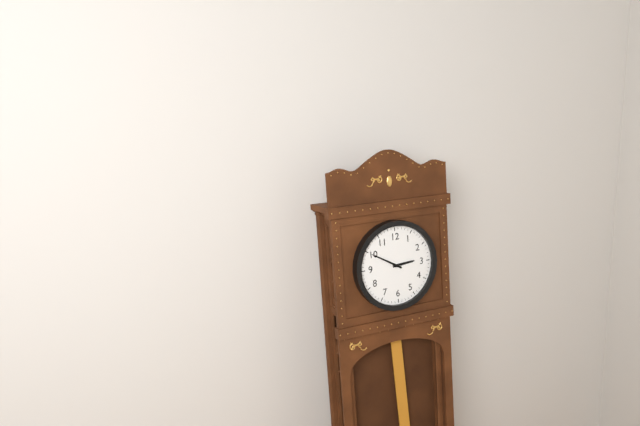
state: 2:50
